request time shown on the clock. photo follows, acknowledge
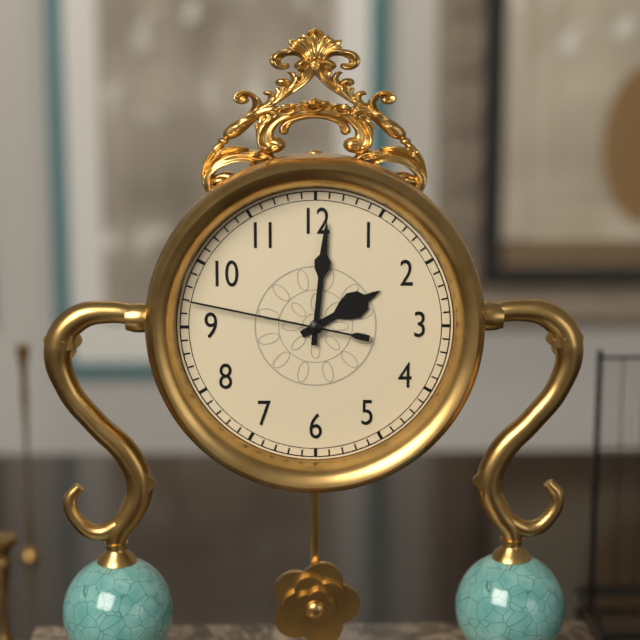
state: 2:01:47
